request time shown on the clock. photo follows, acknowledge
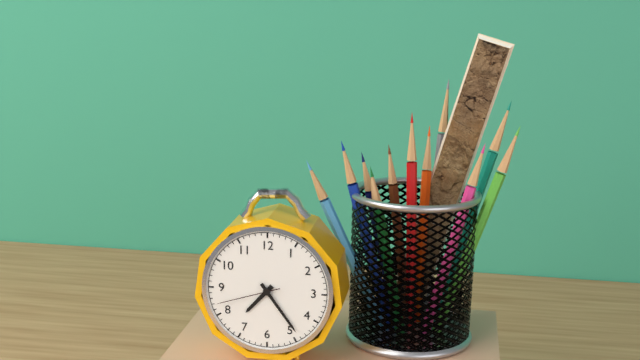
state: 7:24:42
